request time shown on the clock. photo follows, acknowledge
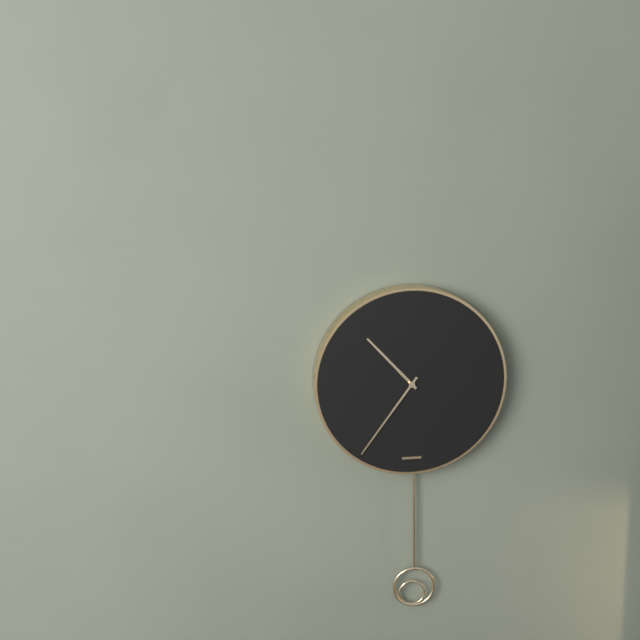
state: 10:36
